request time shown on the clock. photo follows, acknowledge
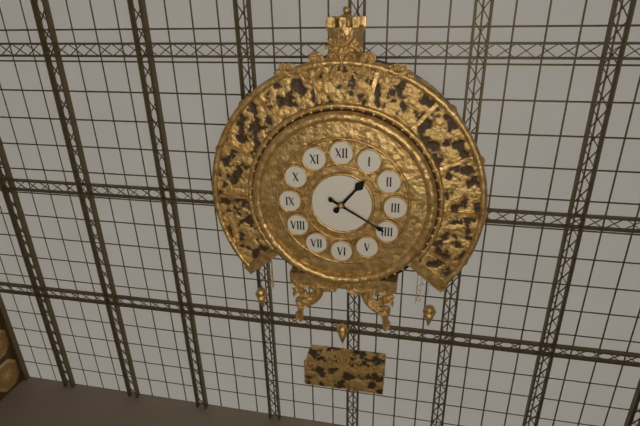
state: 1:20
